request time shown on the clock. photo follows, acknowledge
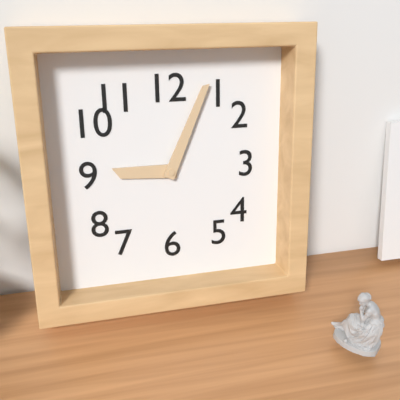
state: 9:04
